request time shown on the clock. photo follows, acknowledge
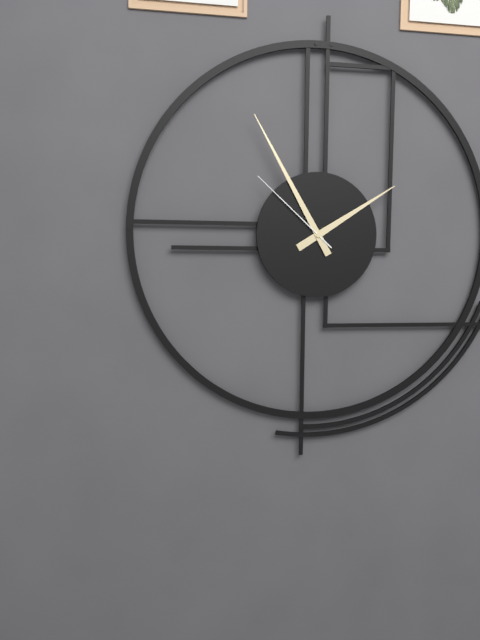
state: 1:55:52
